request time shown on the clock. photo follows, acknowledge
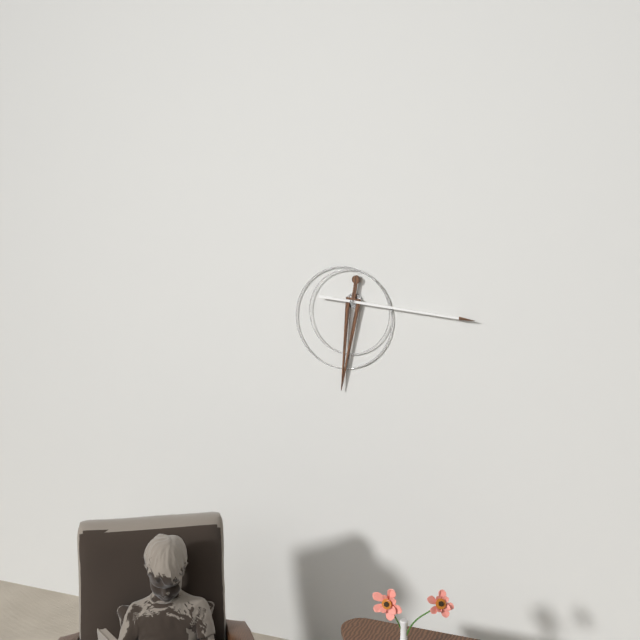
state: 6:16
